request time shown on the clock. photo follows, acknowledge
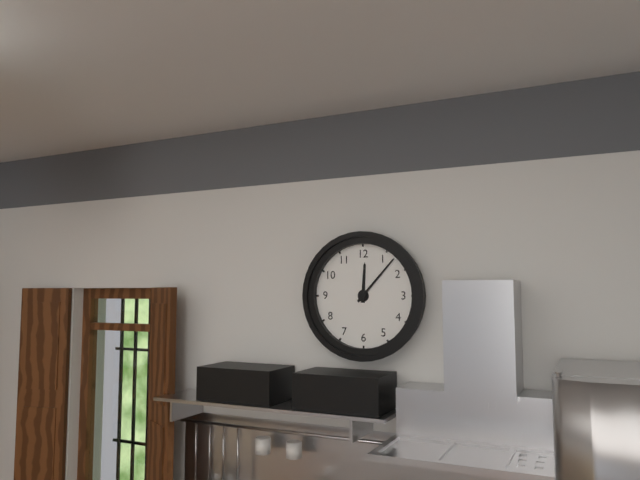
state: 12:07
